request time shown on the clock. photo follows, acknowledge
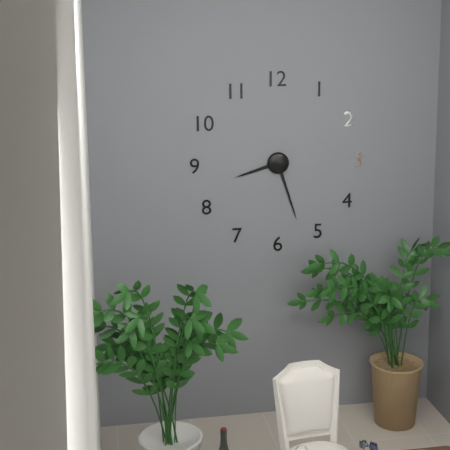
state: 8:27
